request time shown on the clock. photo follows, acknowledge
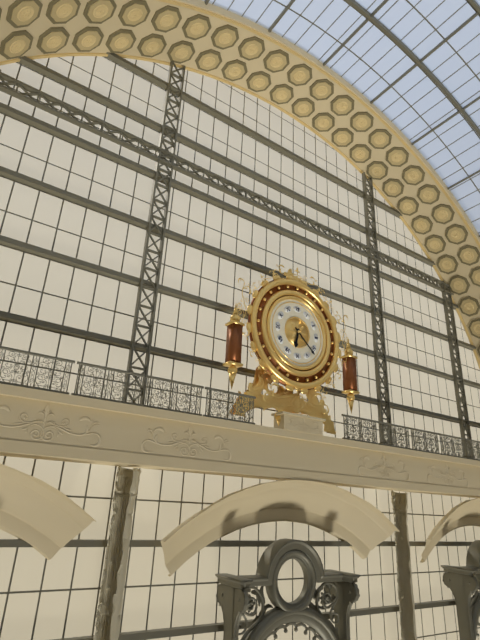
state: 6:22
